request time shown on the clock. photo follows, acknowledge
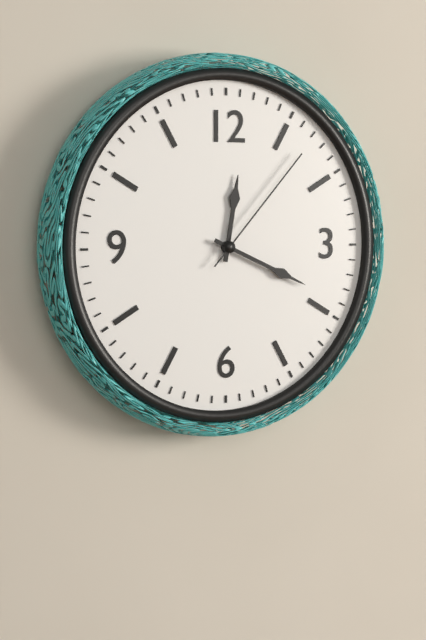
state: 12:19:07
